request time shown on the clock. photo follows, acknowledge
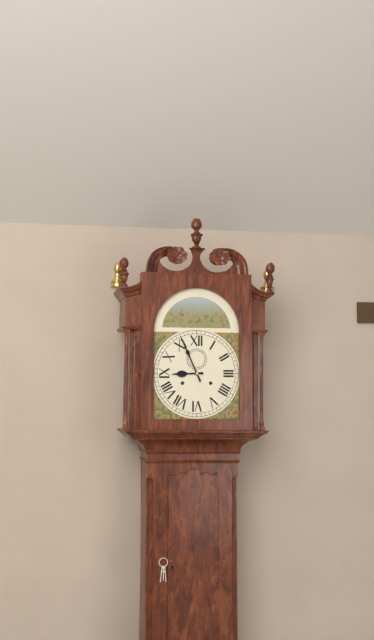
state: 8:56
